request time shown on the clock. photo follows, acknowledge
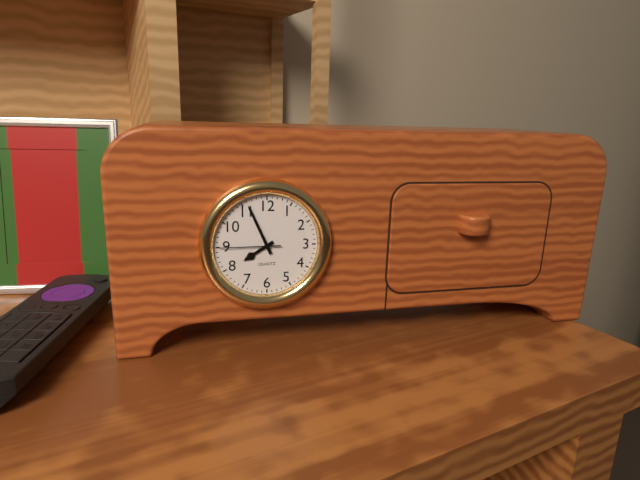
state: 7:56:45
